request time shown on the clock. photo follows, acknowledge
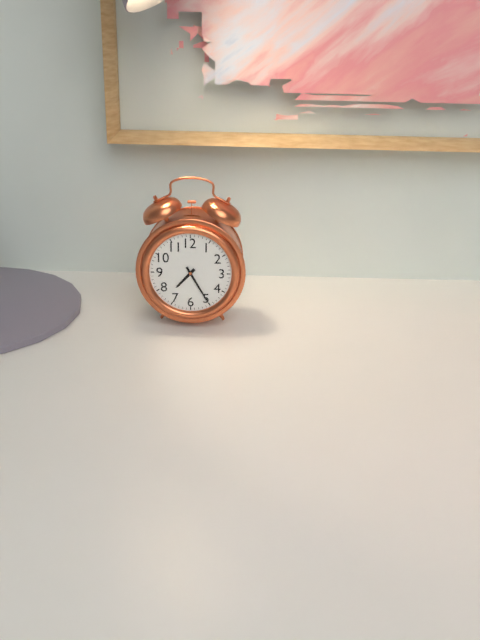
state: 7:25
